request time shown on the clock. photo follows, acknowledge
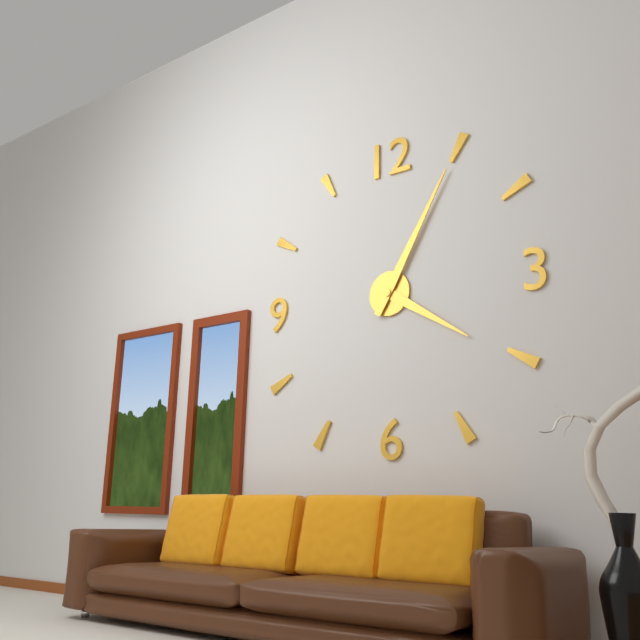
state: 4:05
